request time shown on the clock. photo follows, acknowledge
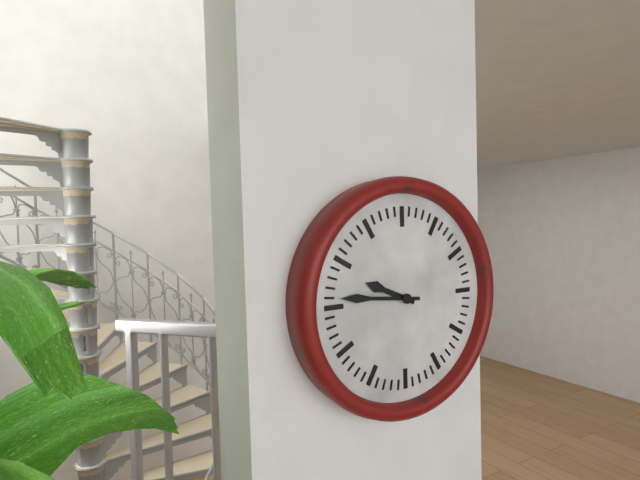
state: 9:46
